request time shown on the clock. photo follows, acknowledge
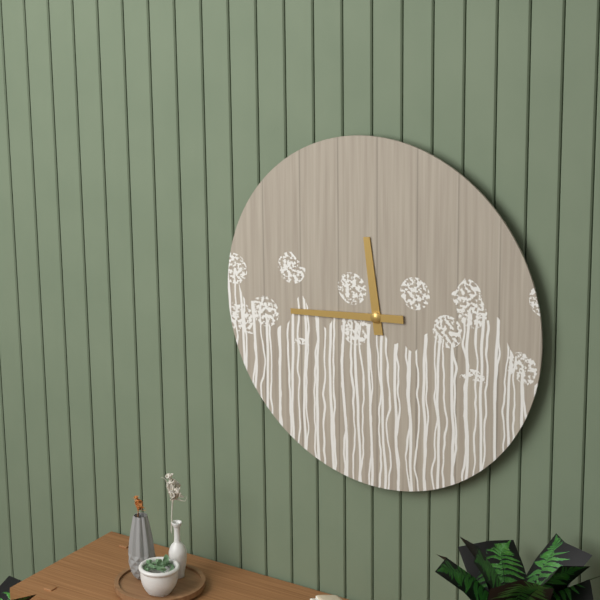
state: 11:44
